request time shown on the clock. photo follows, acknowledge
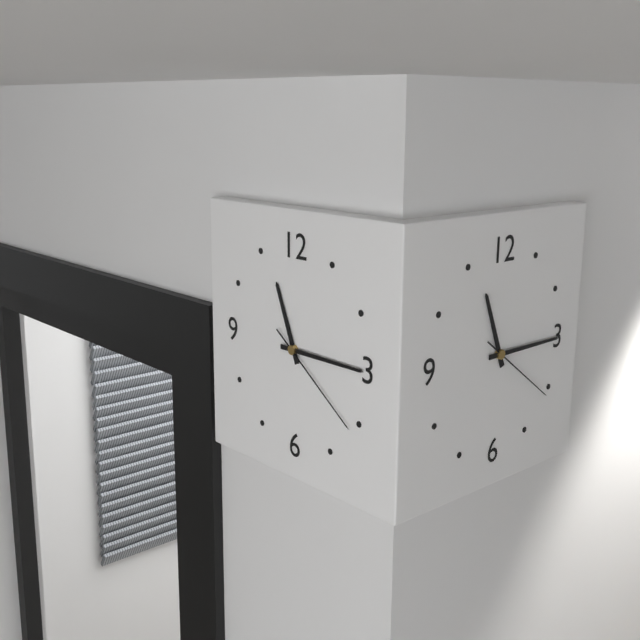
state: 11:15:21
